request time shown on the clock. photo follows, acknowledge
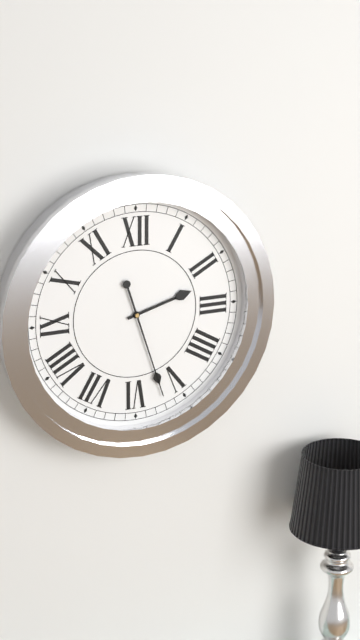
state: 2:27
